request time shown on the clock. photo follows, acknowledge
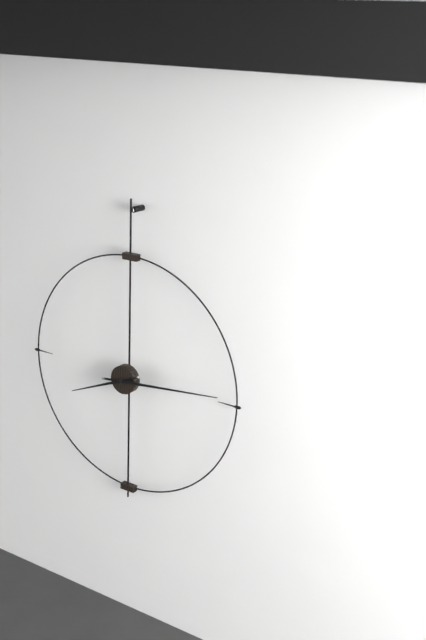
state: 8:14
